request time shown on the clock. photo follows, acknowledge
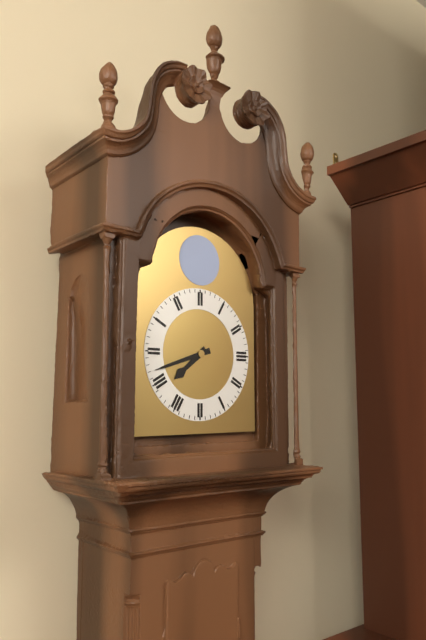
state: 7:42
